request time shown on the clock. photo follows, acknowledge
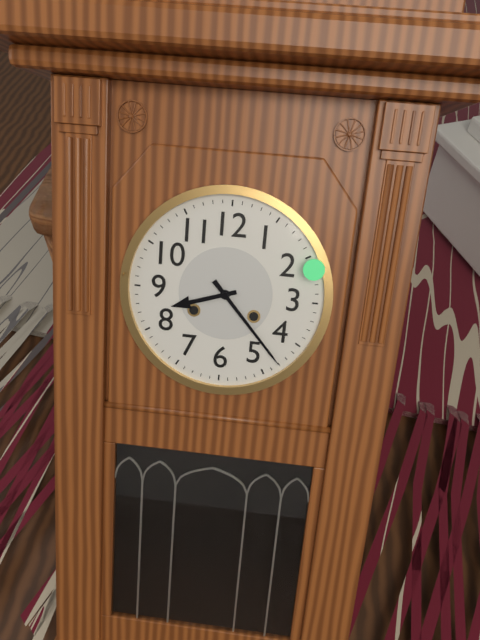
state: 8:23
